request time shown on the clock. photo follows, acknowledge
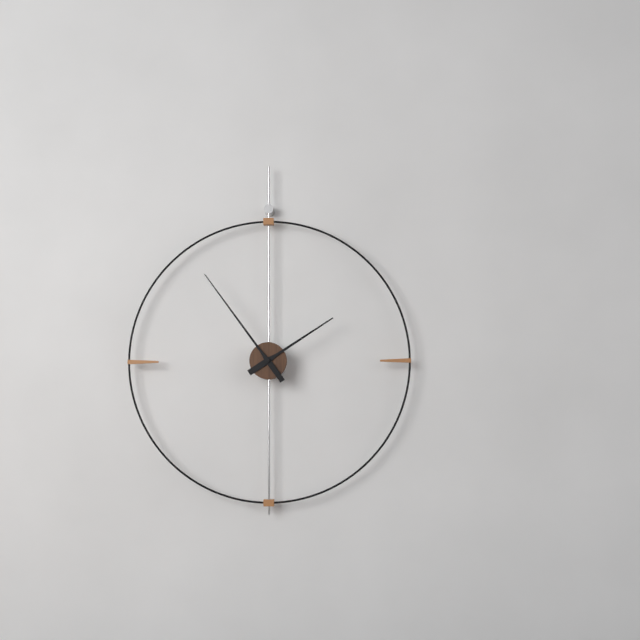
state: 1:54
